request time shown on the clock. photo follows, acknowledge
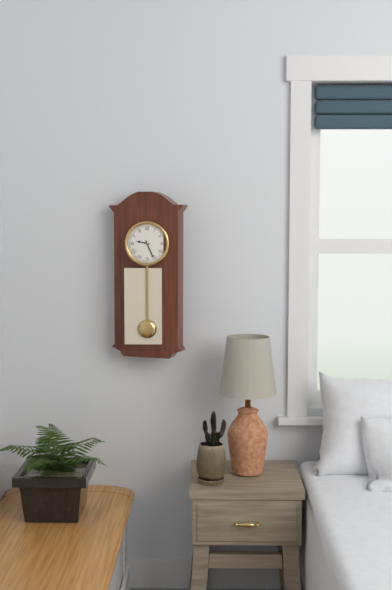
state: 9:26
